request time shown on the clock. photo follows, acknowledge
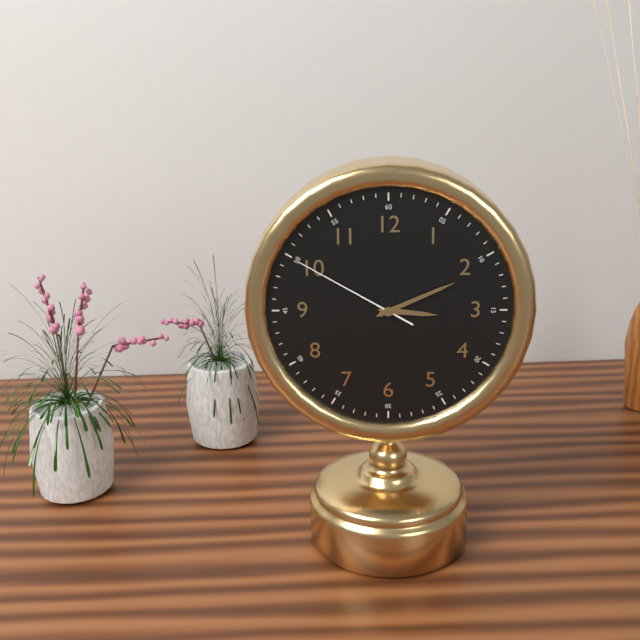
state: 3:11:50
